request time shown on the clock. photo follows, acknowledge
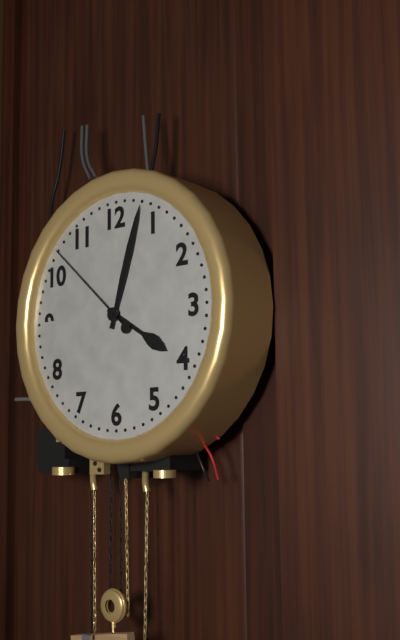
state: 4:03:52
